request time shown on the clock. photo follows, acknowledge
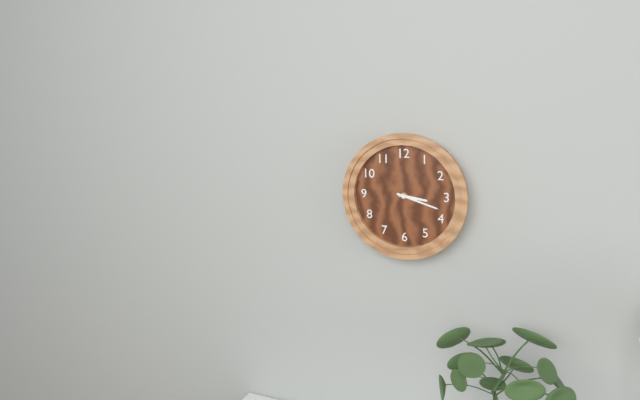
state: 3:18
